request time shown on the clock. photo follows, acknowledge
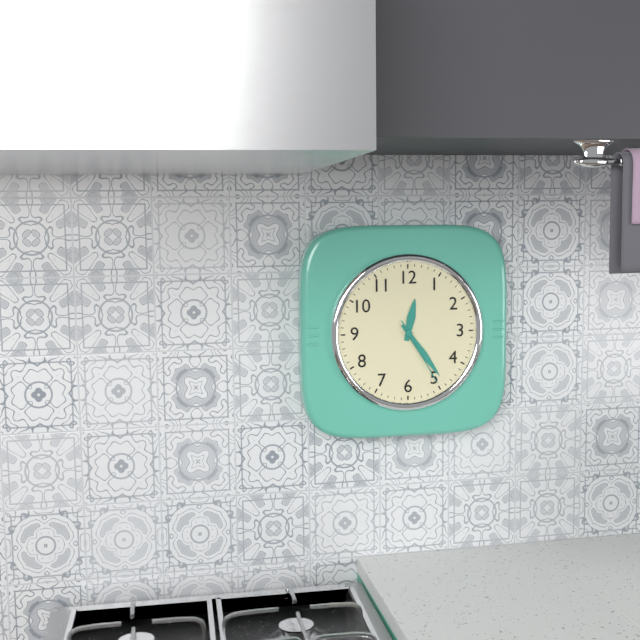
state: 12:24:25
